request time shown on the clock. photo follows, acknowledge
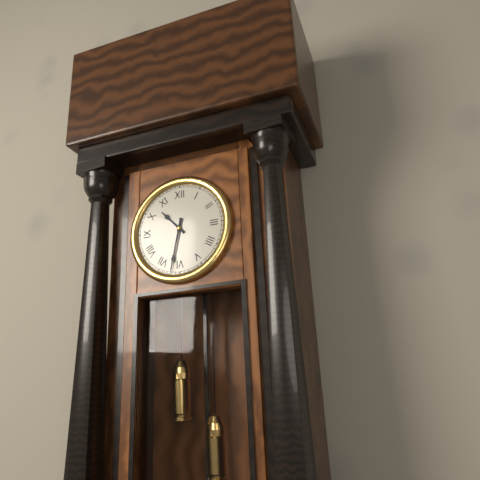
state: 10:32
